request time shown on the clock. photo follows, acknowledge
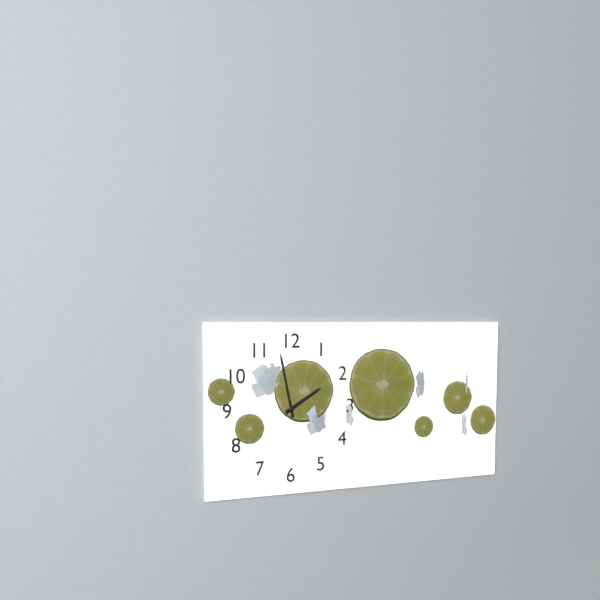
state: 1:58
